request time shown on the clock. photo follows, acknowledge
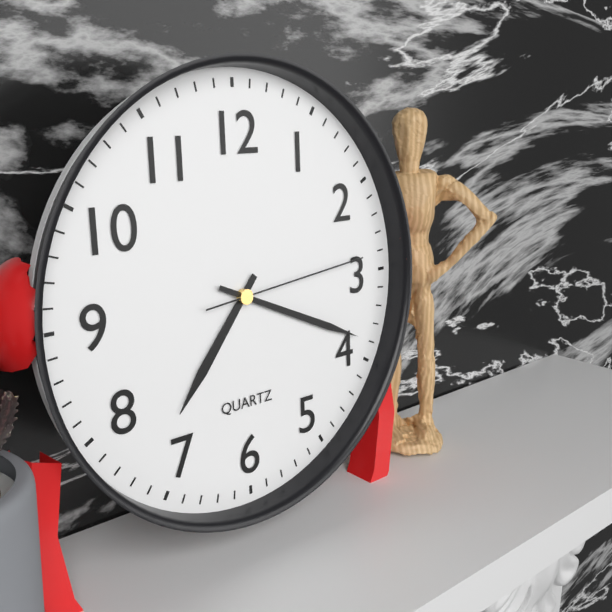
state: 7:19:14
